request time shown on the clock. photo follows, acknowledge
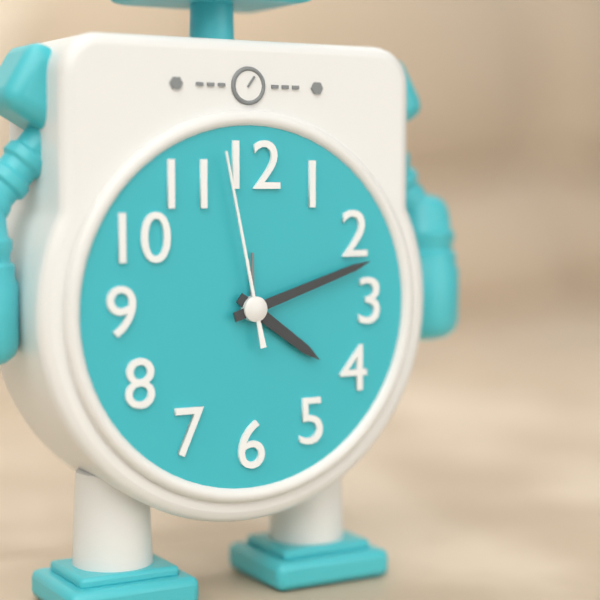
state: 4:12:58
